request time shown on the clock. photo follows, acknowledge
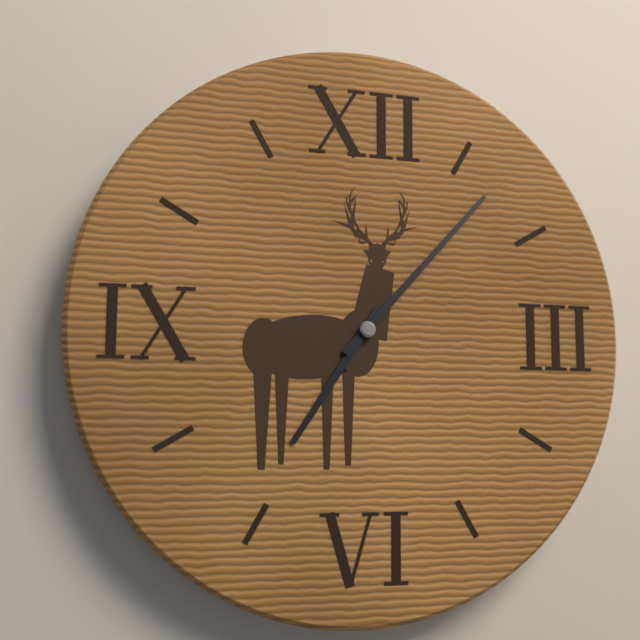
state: 7:07
